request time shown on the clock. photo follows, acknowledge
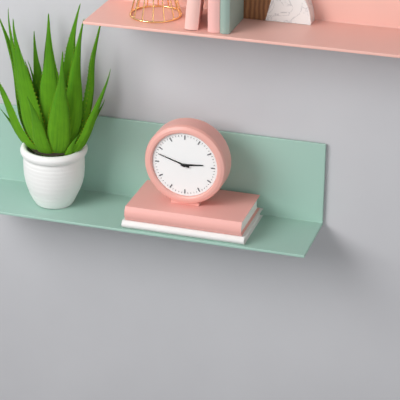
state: 2:48
